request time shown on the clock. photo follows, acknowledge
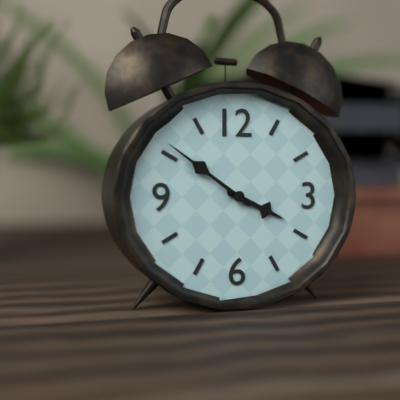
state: 3:51
